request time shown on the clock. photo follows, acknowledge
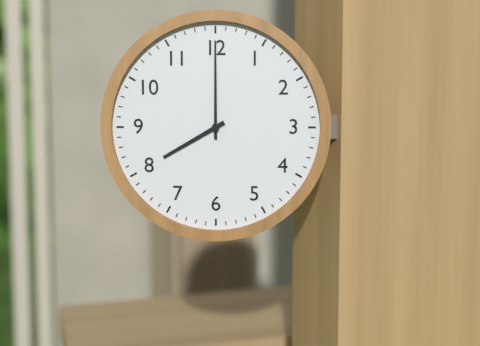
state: 8:00
